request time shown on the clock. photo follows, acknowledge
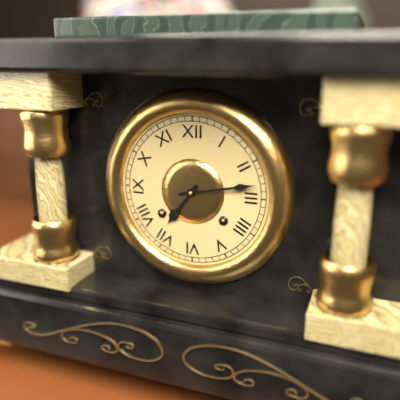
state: 7:13
